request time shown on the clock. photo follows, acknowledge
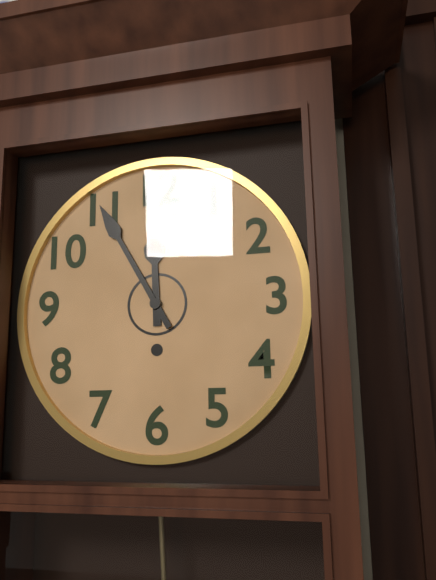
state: 11:55
